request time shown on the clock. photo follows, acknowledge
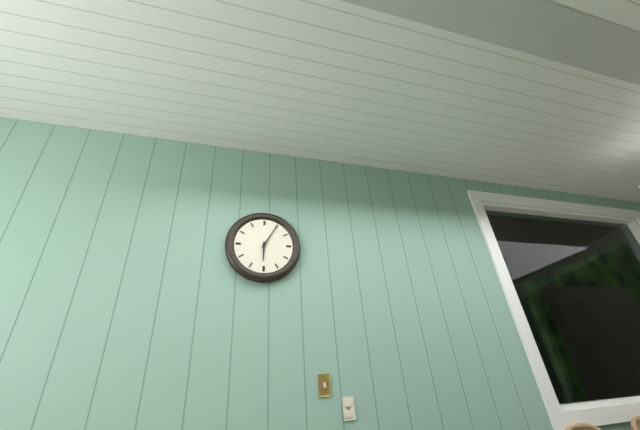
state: 6:05
